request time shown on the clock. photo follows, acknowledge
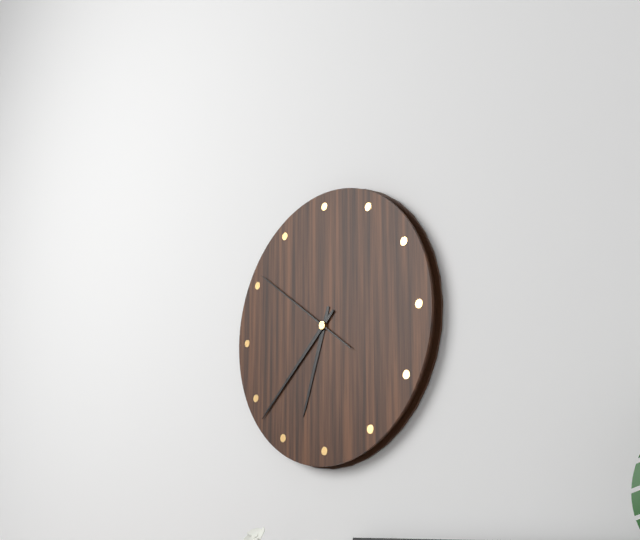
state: 6:38:51
